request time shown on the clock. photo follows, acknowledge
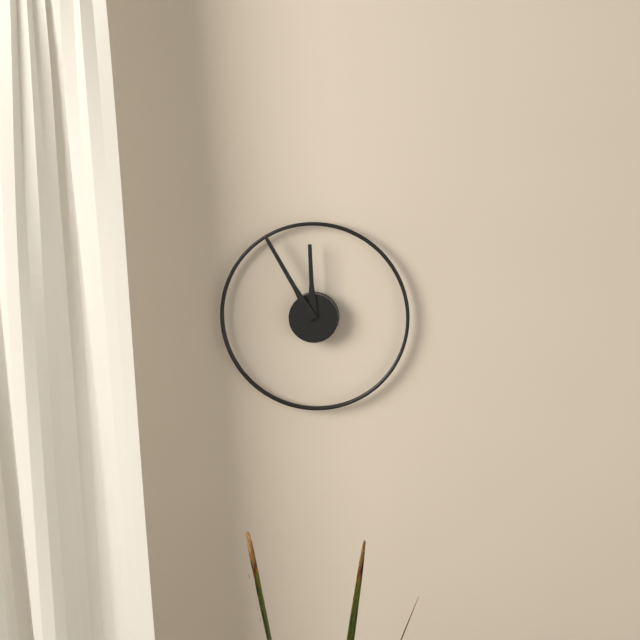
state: 11:55
